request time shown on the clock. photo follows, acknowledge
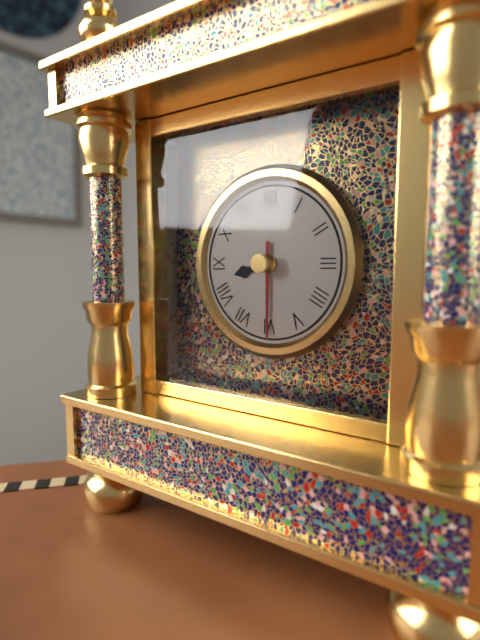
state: 8:30
